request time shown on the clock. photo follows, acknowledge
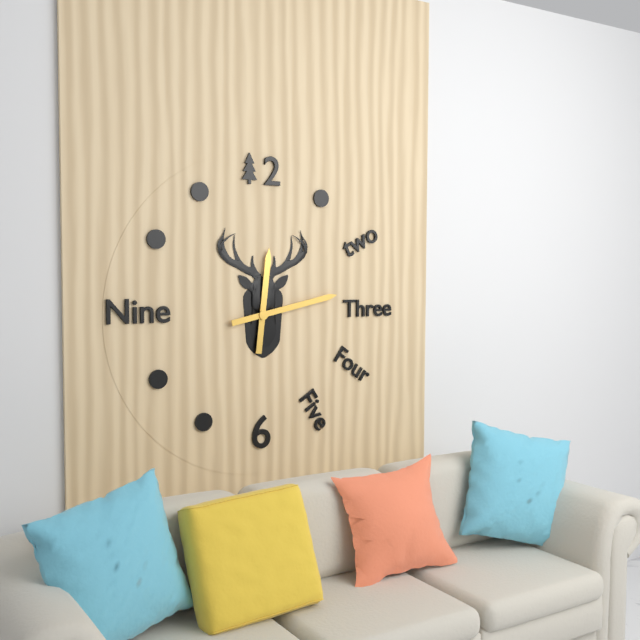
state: 12:13
